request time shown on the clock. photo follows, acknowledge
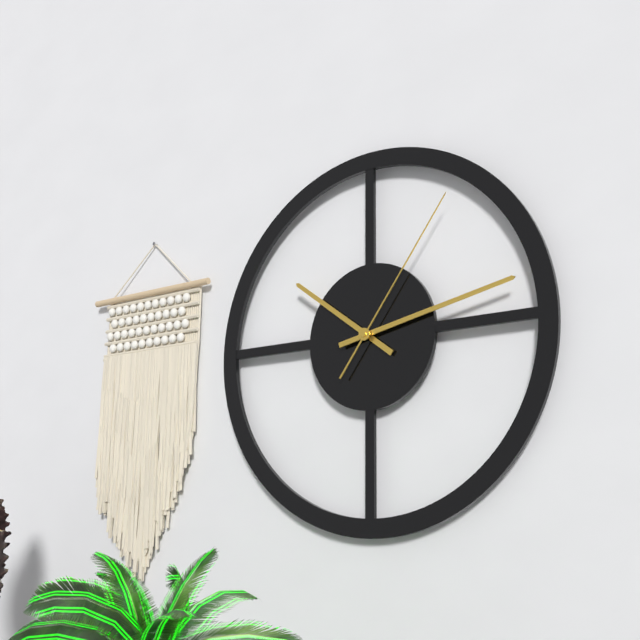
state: 10:13:06
